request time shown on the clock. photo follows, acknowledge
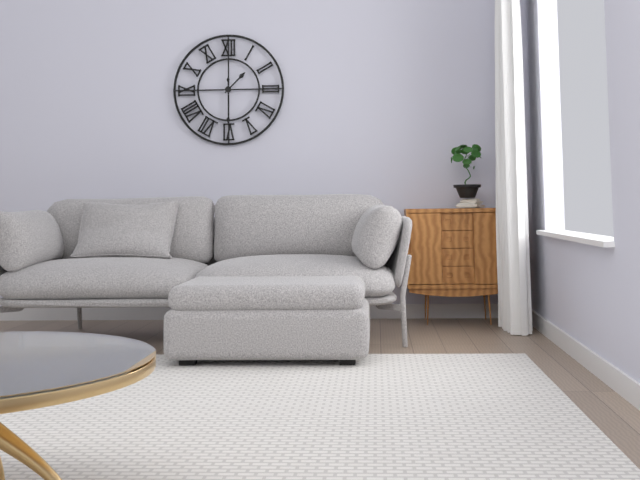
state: 1:30
